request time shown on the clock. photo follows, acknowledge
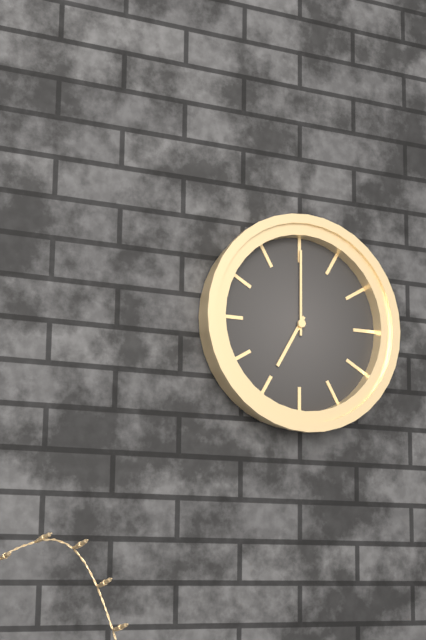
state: 7:00
